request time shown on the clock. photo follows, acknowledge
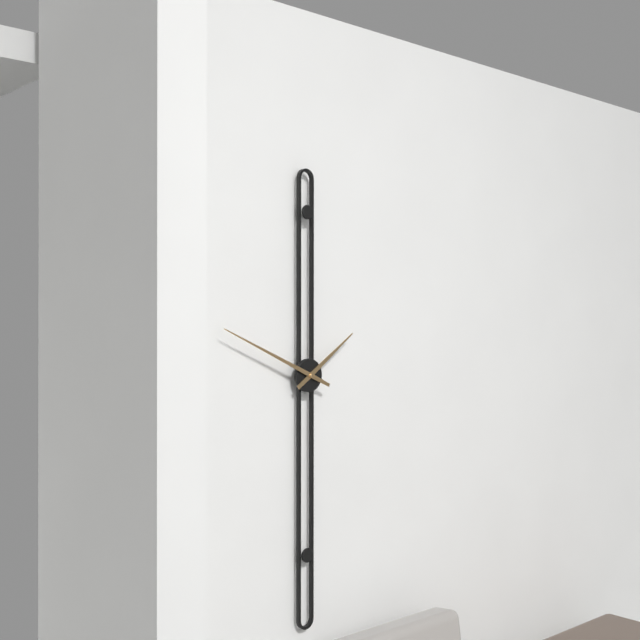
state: 1:49
